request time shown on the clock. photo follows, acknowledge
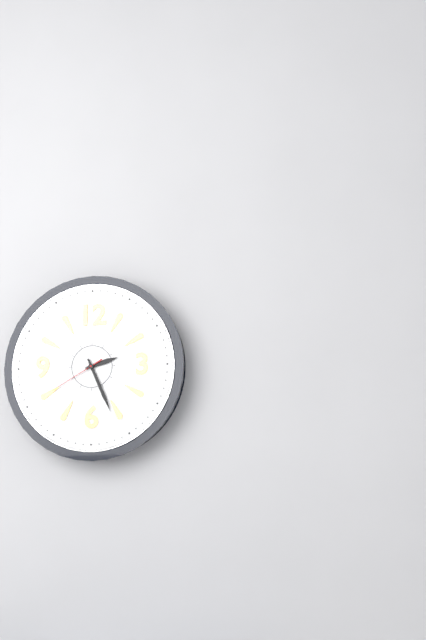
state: 2:26:40
